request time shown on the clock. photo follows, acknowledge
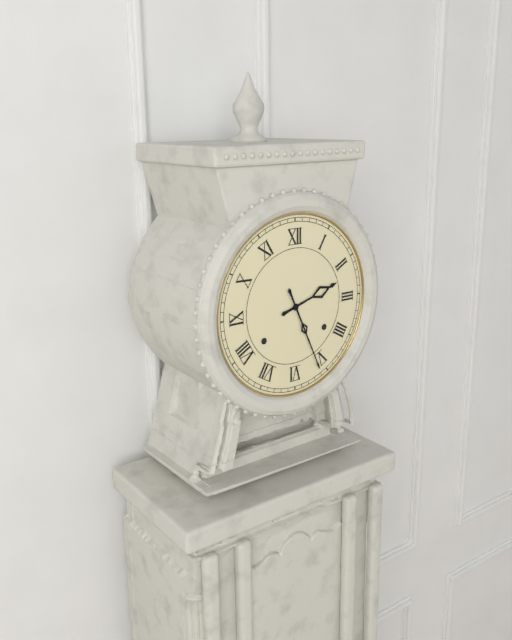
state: 2:26
